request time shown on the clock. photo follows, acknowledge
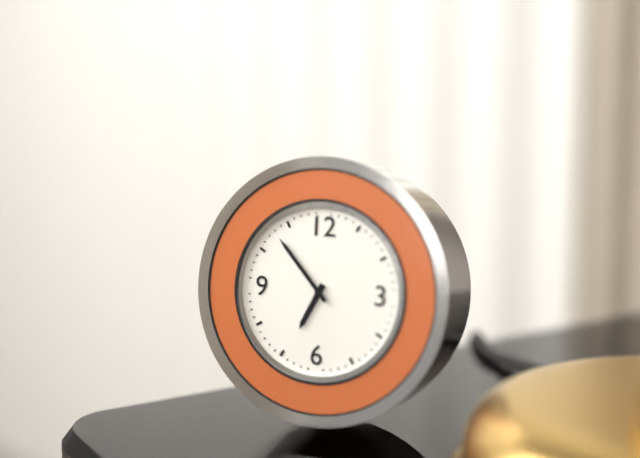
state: 6:53
